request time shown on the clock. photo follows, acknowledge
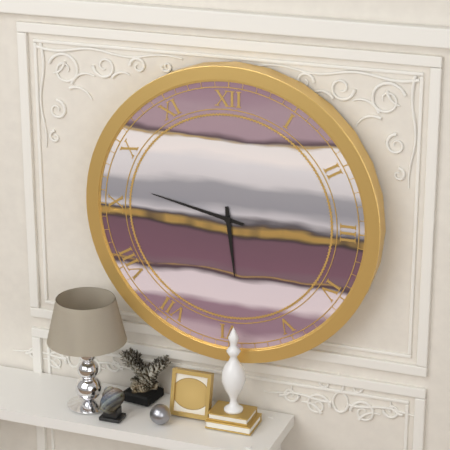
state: 5:47
